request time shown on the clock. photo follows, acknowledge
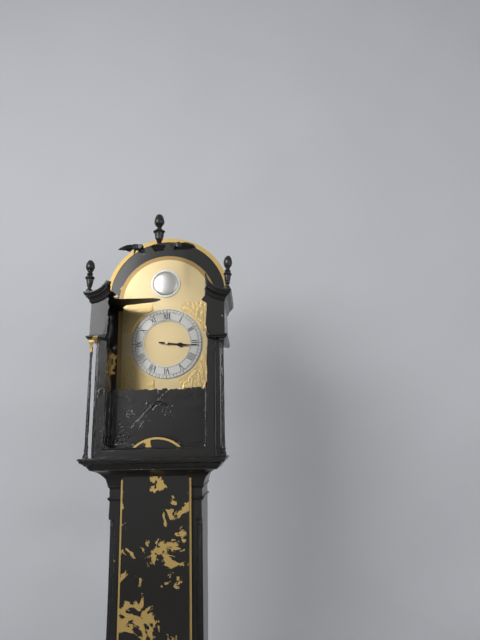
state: 3:16
